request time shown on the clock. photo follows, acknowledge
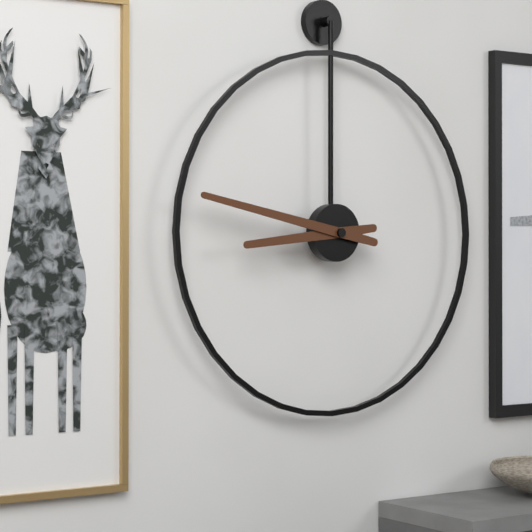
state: 8:47
